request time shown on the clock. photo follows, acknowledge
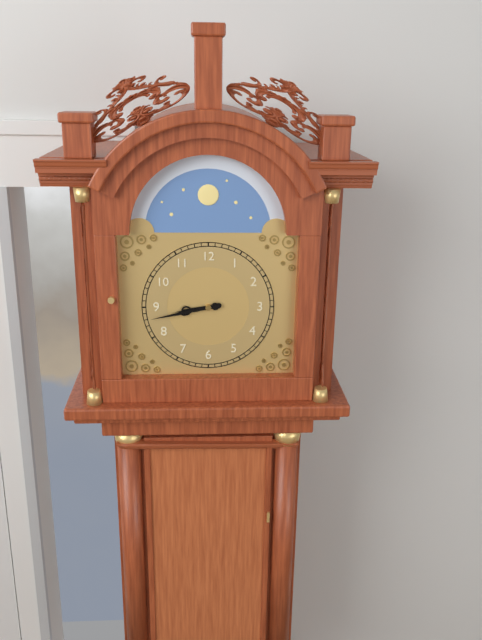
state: 8:43
